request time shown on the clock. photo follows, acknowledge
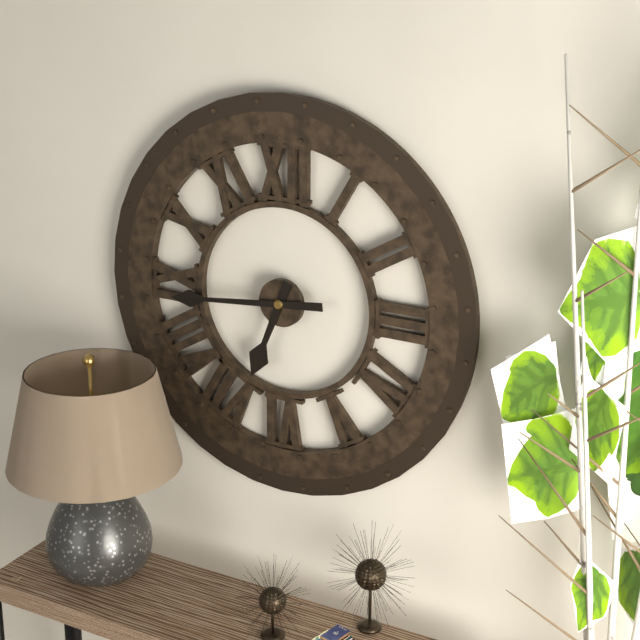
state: 6:44
